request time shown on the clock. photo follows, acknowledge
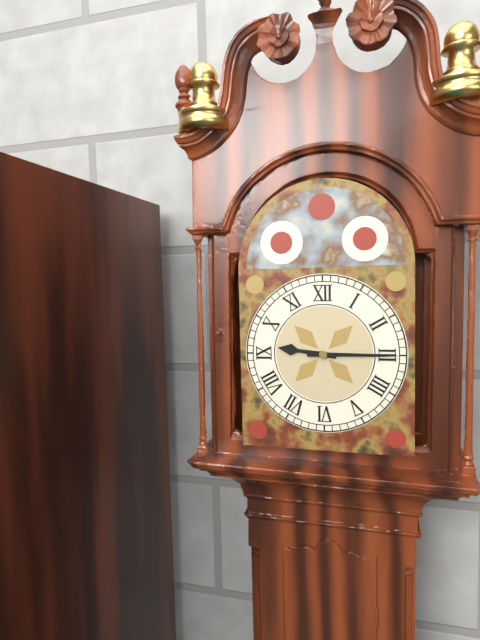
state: 9:15
